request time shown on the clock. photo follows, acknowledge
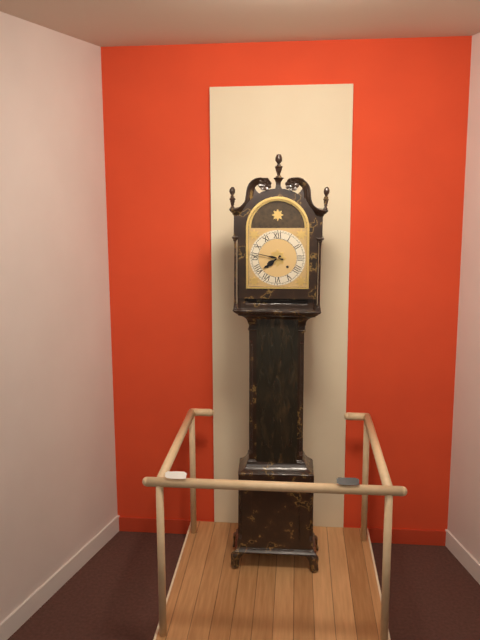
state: 7:47
